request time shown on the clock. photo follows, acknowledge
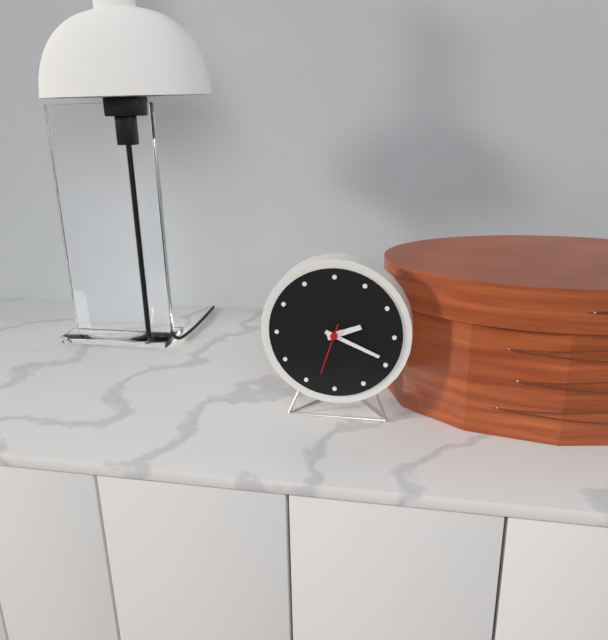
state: 2:19:33
